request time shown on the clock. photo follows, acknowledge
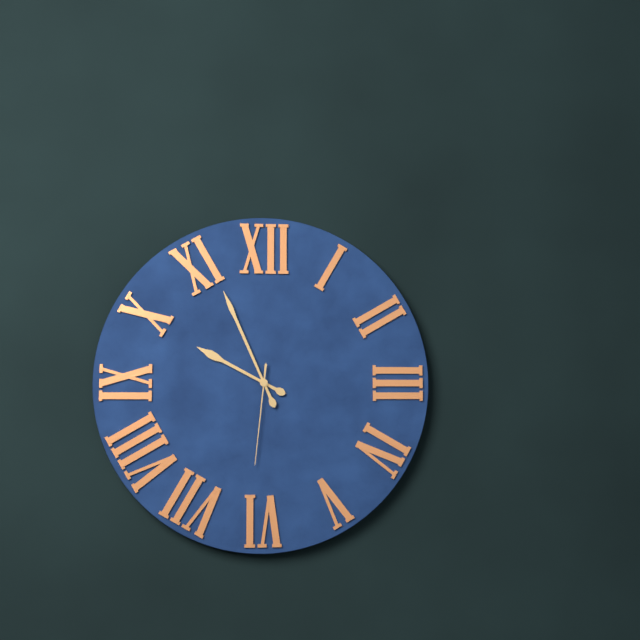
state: 9:56:31
